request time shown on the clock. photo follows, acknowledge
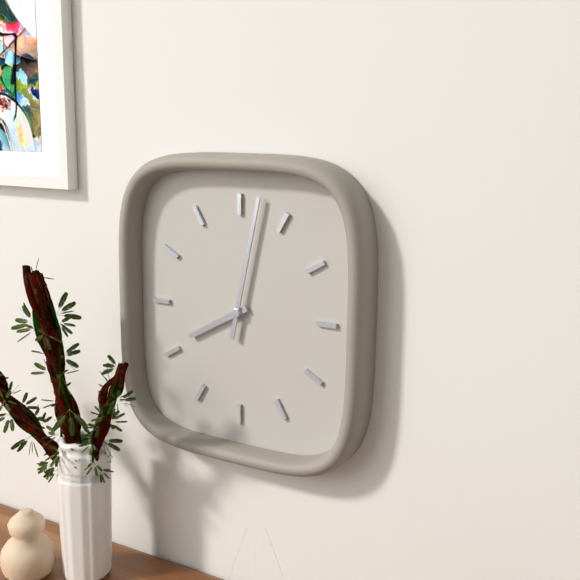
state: 8:02
